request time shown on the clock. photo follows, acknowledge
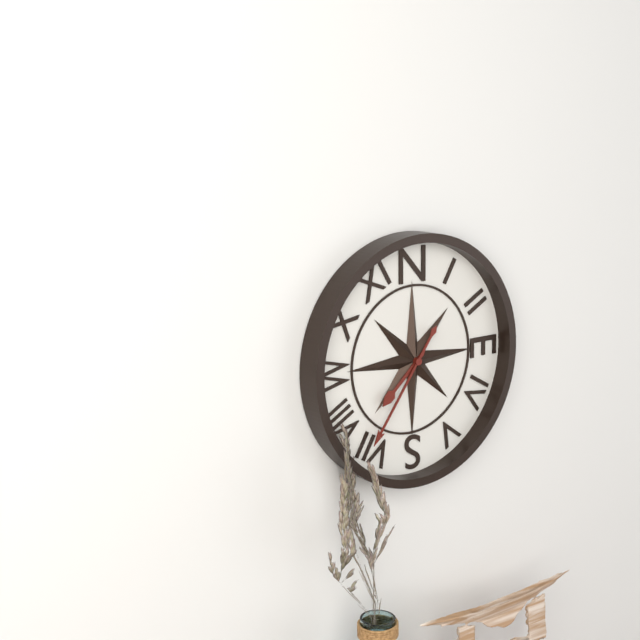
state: 7:36
